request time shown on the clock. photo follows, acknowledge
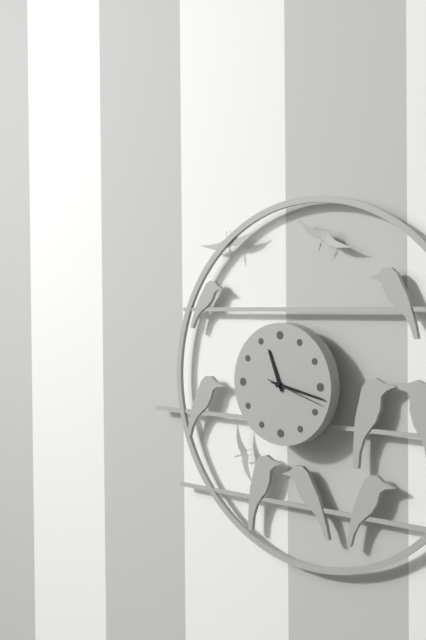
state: 11:17
